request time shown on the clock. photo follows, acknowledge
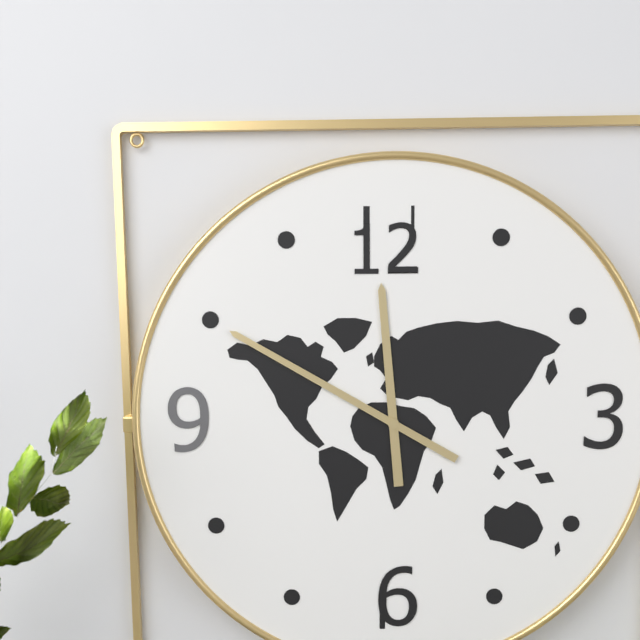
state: 11:50
